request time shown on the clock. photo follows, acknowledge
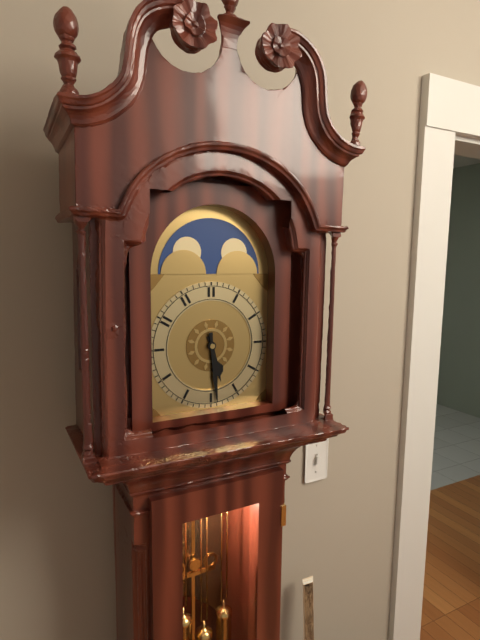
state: 5:29
